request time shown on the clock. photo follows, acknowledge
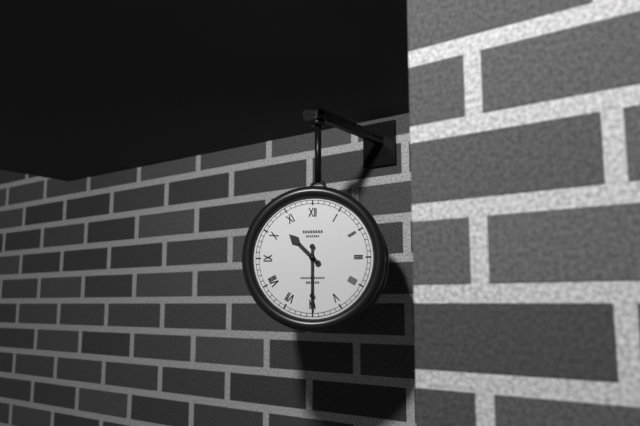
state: 10:30
